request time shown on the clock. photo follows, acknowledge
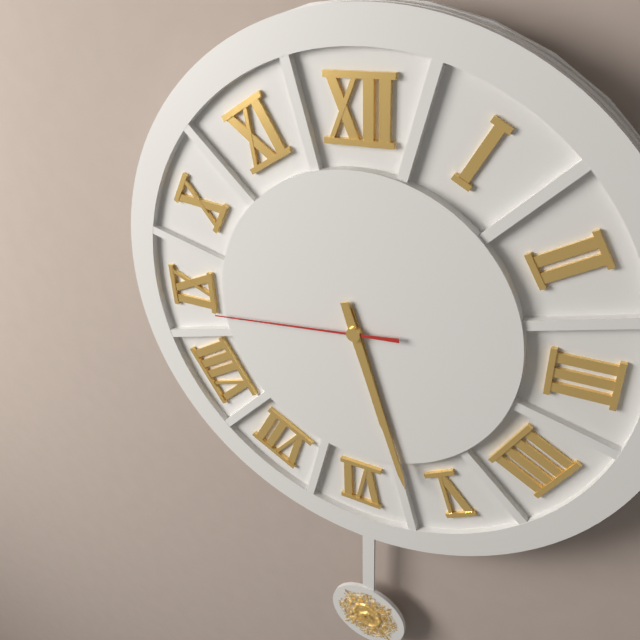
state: 5:27:44
